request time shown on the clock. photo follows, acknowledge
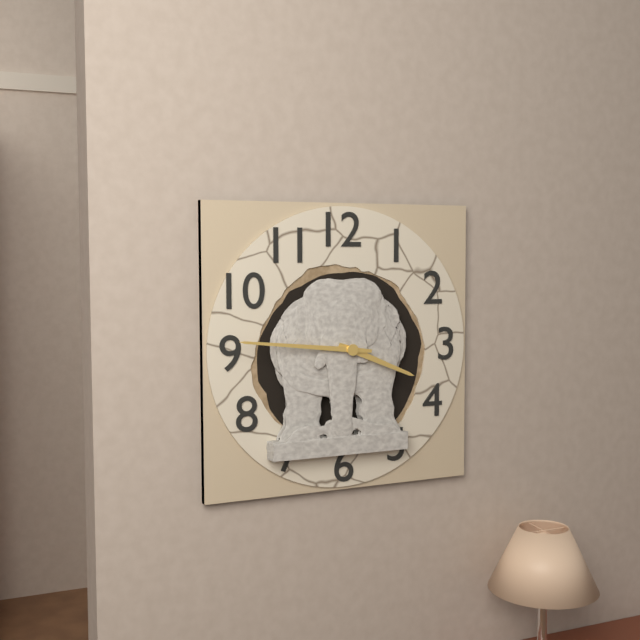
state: 3:46
